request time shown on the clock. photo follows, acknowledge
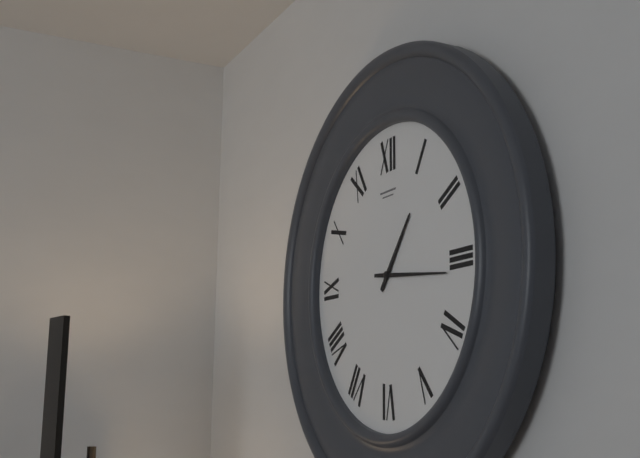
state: 1:16
